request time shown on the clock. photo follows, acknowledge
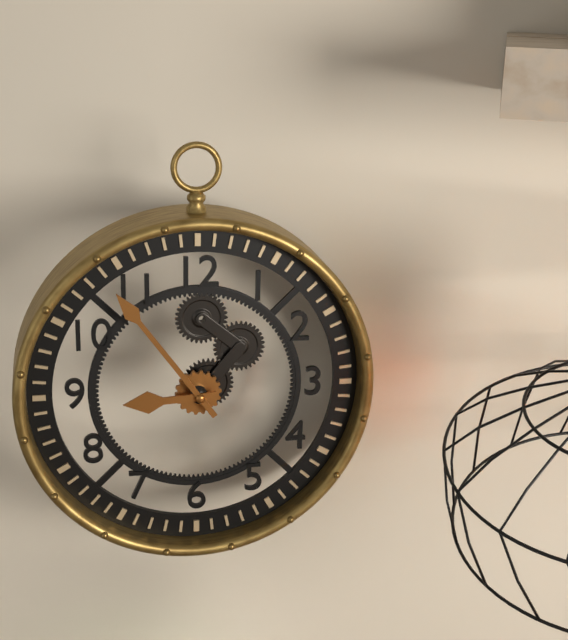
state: 8:54
